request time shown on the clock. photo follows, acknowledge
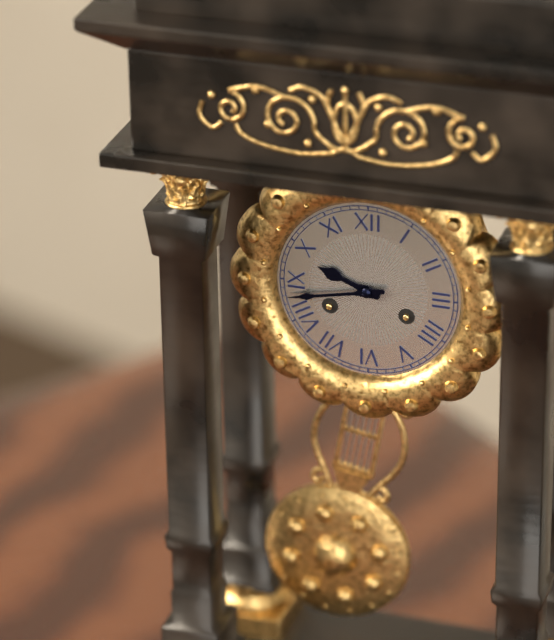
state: 9:43
